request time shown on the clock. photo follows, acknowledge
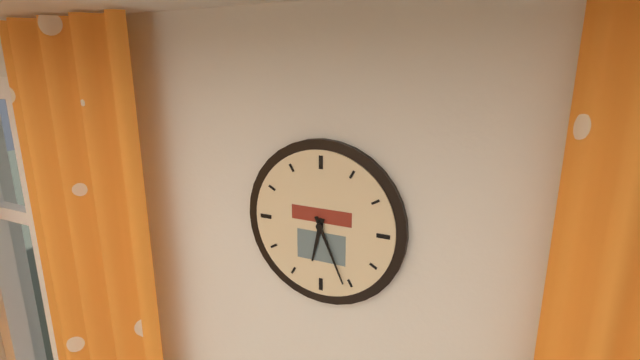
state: 6:26
